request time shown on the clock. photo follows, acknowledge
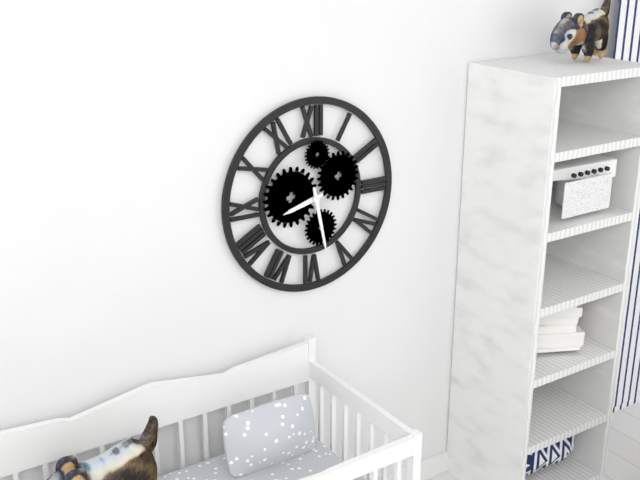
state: 8:28
